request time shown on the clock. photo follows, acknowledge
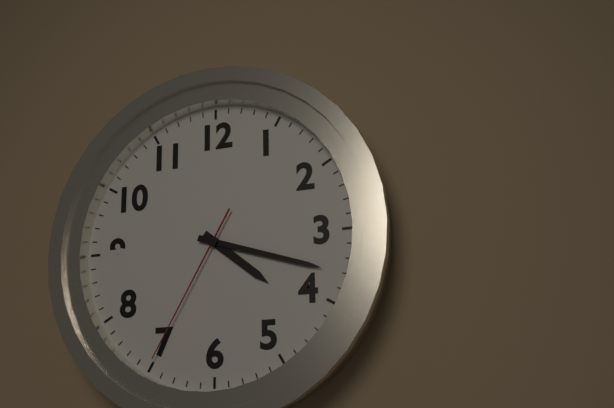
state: 4:18:35
